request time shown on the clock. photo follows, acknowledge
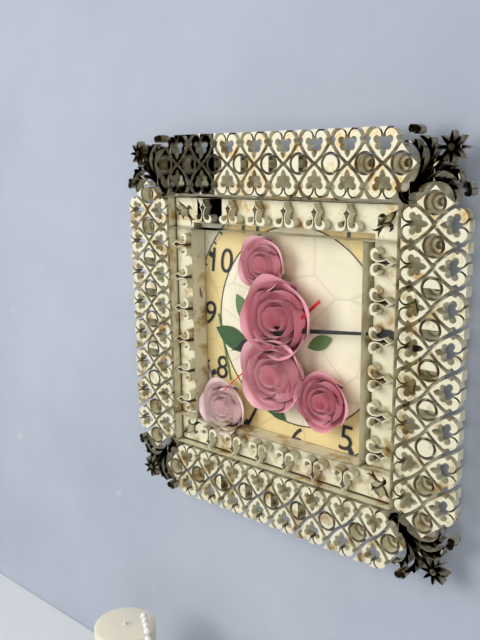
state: 8:14:38
